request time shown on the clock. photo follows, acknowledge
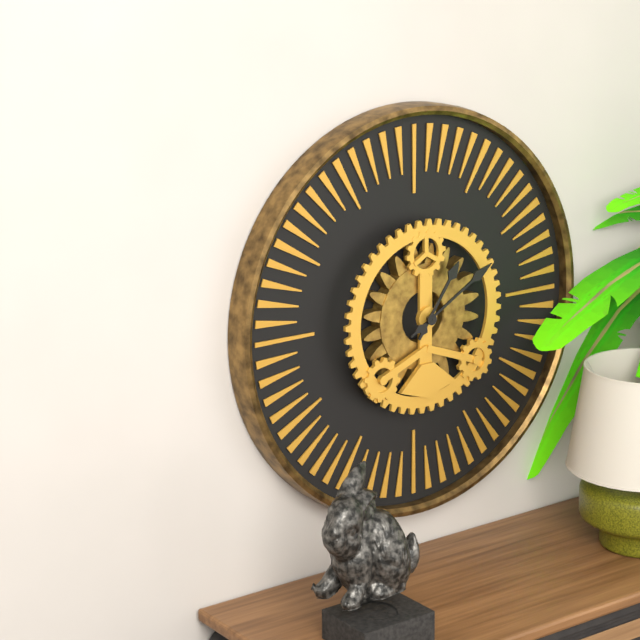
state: 1:10
